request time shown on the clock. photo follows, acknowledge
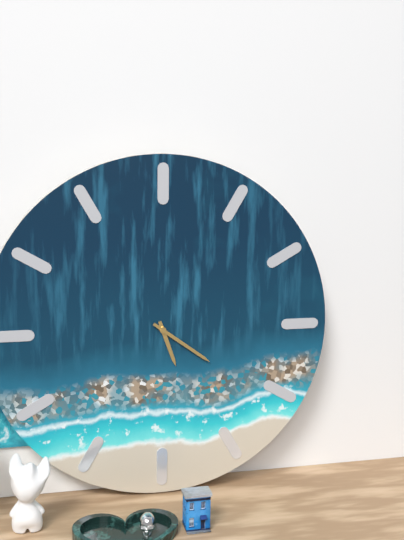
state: 5:21
